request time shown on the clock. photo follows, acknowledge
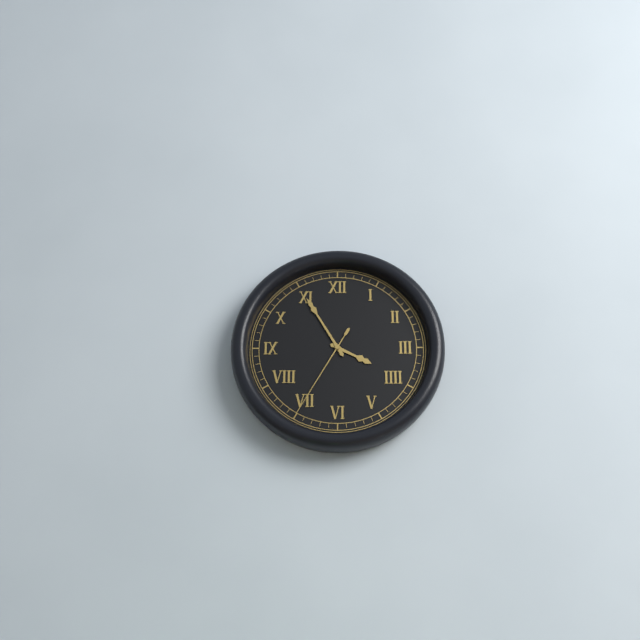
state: 3:55:35
